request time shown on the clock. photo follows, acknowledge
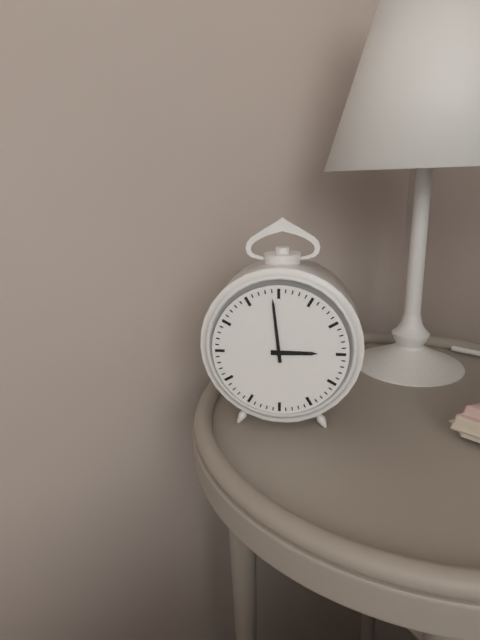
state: 2:59
